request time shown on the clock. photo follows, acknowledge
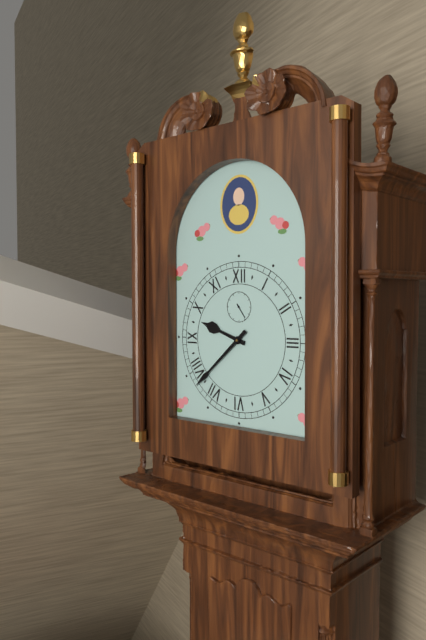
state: 9:38
